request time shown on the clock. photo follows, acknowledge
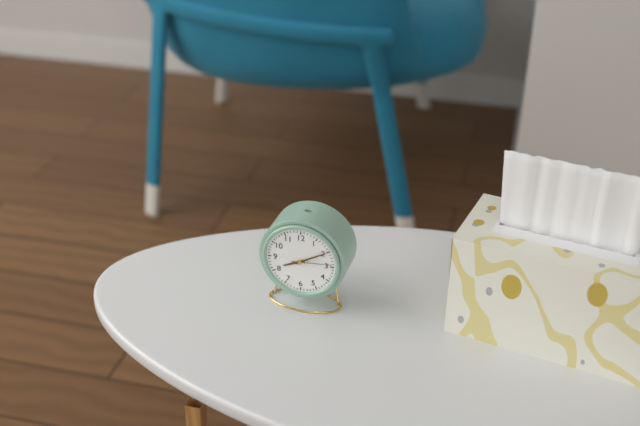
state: 8:10
